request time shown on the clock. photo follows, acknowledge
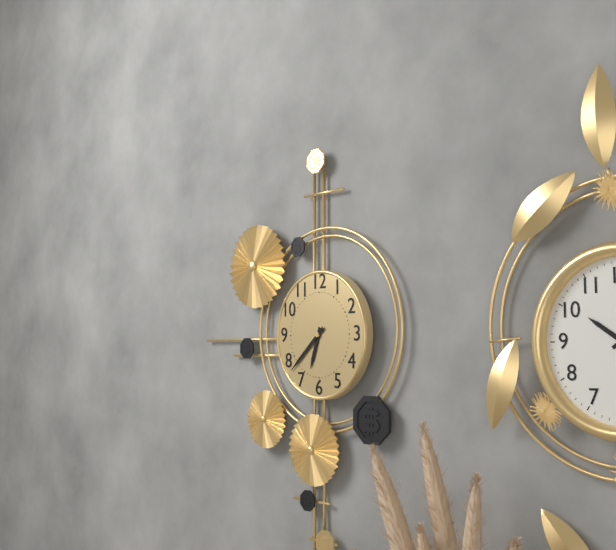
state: 6:38
